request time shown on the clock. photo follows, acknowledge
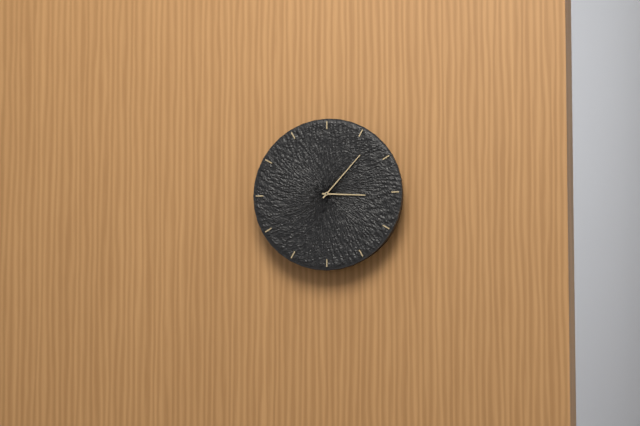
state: 3:07
